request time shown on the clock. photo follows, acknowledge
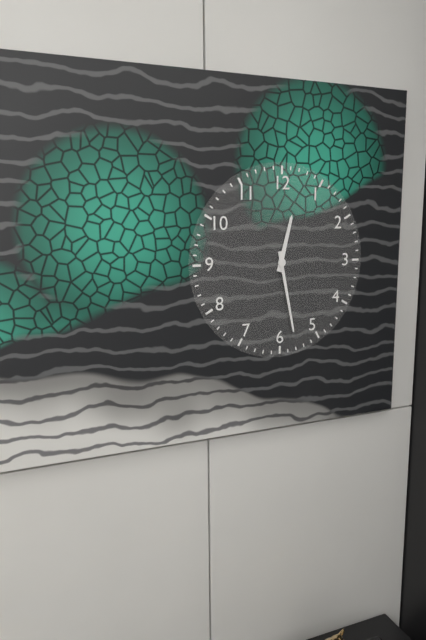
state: 12:28
